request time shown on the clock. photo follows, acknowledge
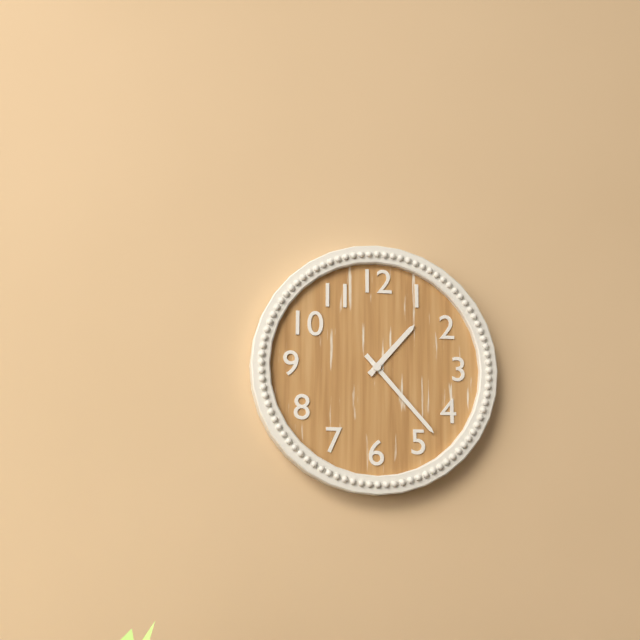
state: 1:23
